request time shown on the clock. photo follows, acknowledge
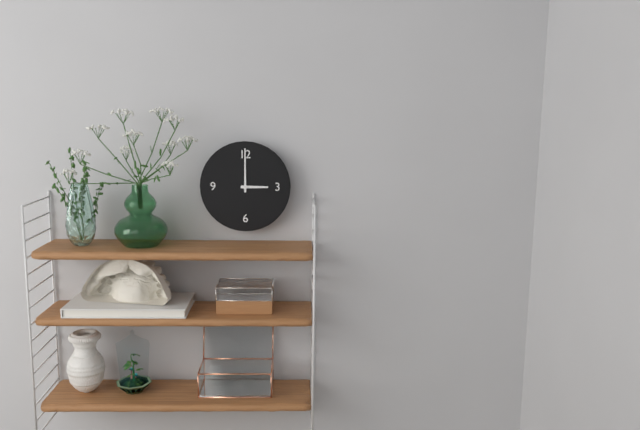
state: 3:00
